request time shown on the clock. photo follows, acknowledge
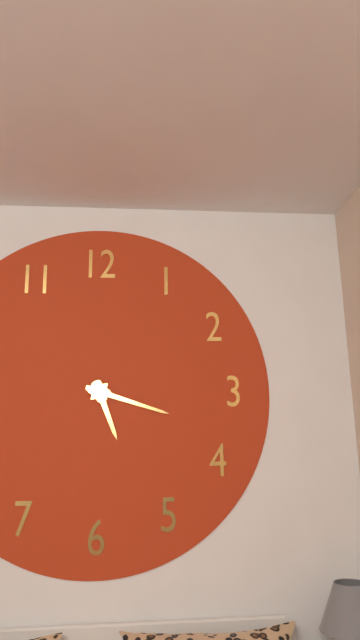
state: 5:18
